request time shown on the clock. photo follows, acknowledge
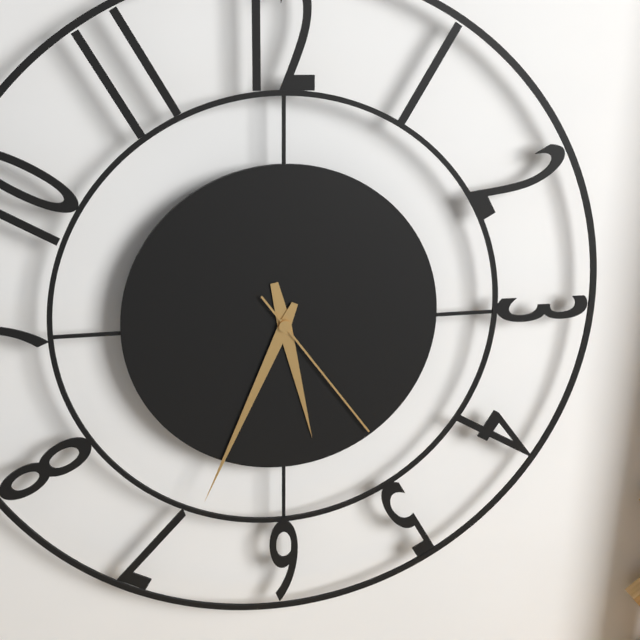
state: 5:34:24
